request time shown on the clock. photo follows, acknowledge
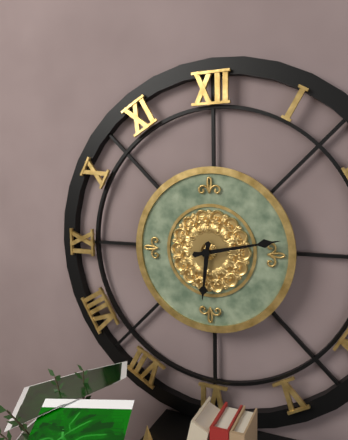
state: 6:13
